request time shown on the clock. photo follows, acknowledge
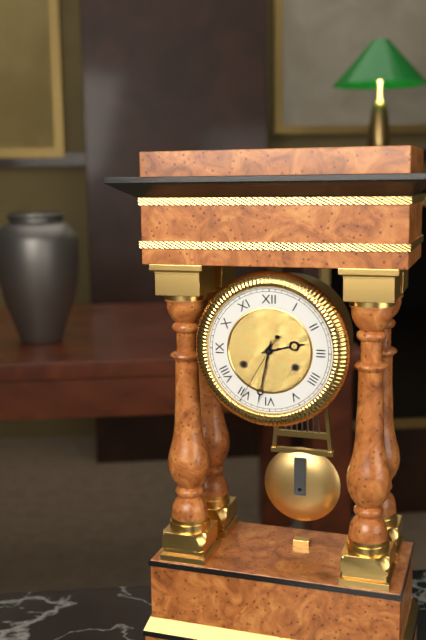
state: 2:32:35
